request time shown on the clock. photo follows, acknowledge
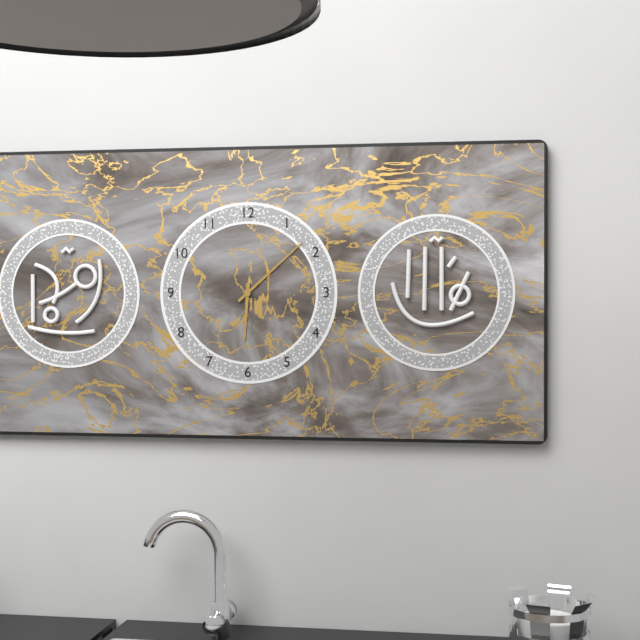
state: 6:08
